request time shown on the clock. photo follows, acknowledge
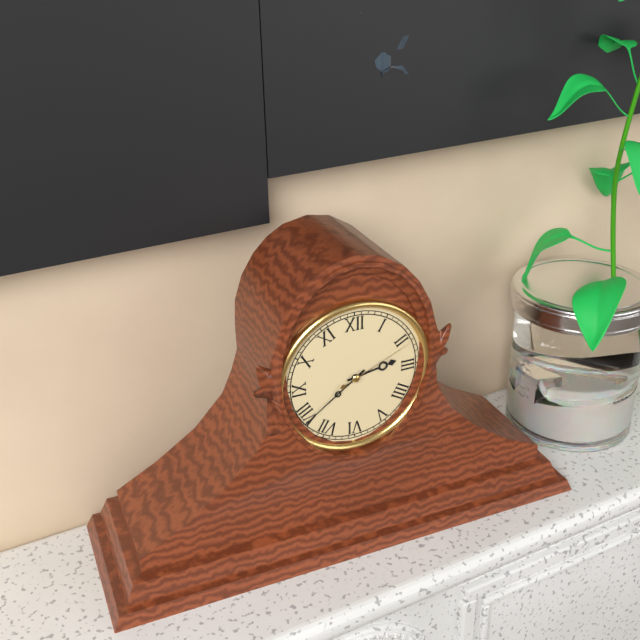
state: 2:39:11
